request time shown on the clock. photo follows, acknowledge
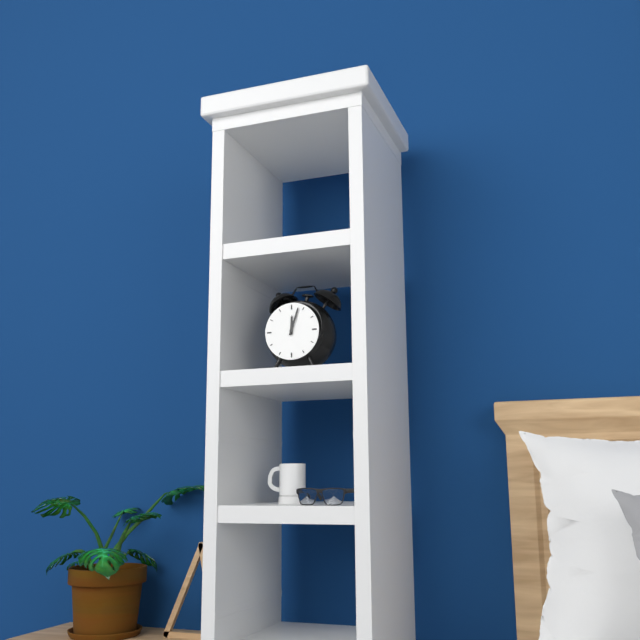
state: 12:03
